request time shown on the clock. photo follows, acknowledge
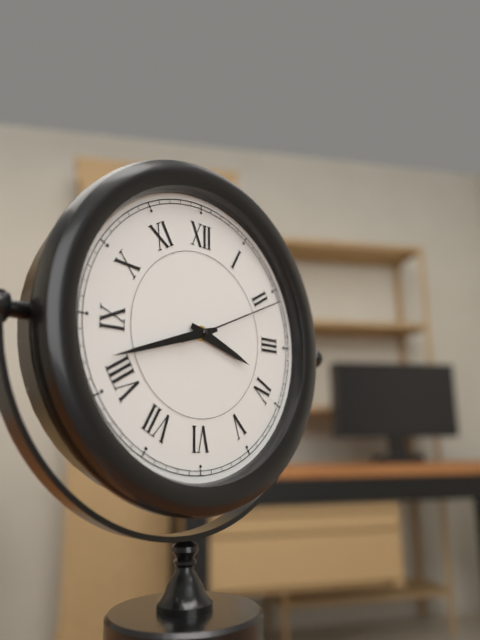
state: 3:42:11
